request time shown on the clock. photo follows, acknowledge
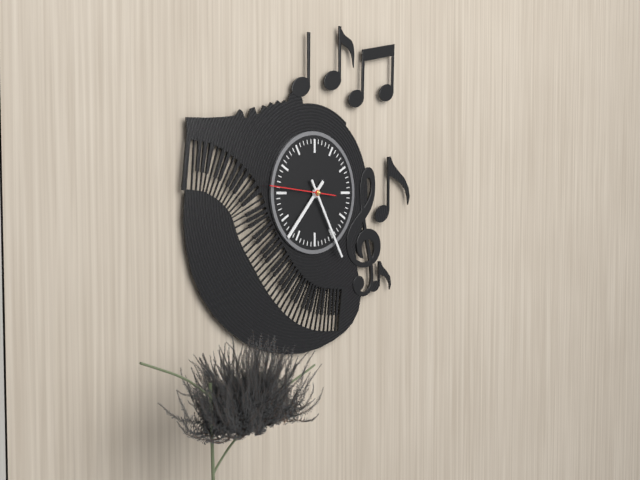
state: 7:25:46
